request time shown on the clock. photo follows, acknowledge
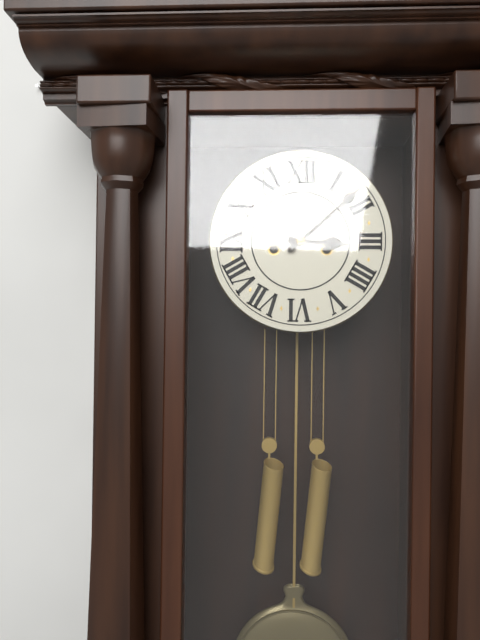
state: 3:08
